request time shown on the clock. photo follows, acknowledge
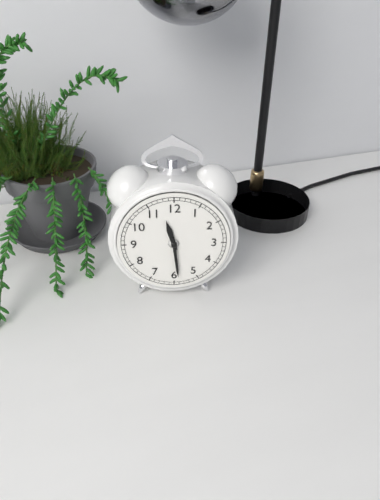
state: 11:29
